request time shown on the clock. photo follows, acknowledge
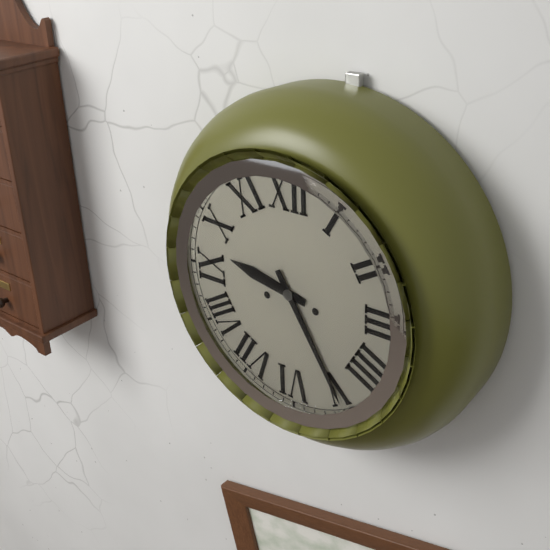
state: 9:25
